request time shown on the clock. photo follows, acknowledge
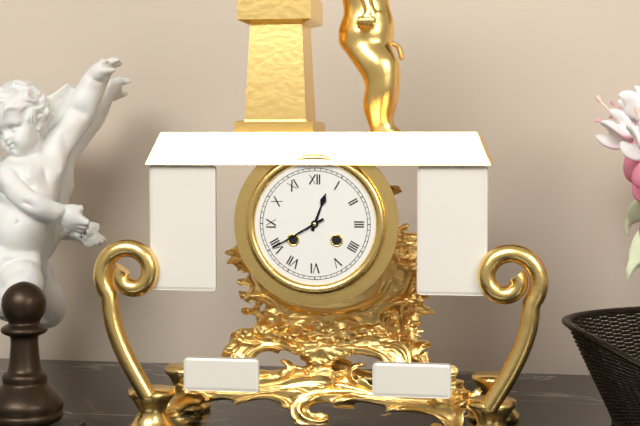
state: 12:40
